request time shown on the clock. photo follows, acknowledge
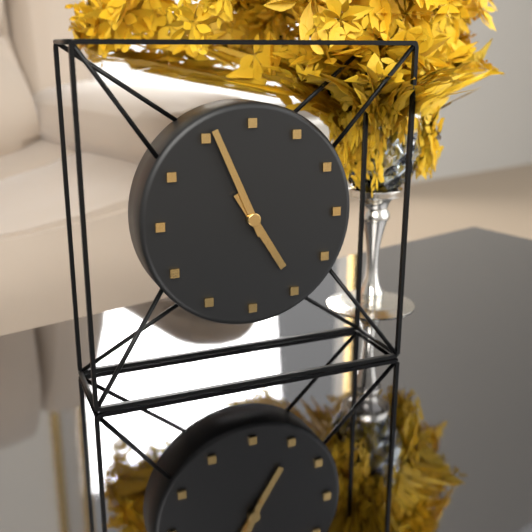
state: 4:56
